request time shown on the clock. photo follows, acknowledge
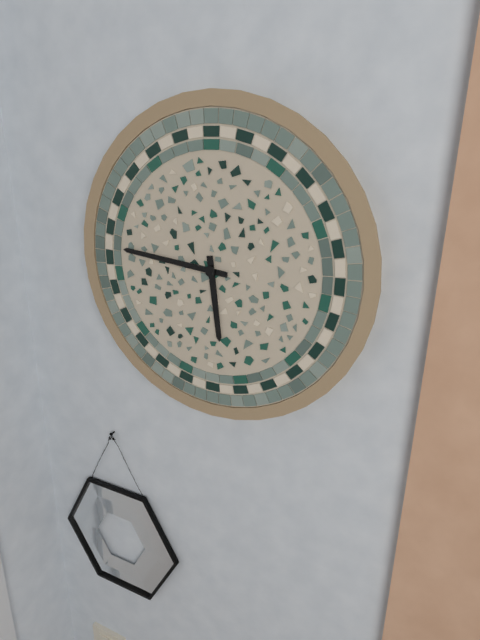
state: 5:46
